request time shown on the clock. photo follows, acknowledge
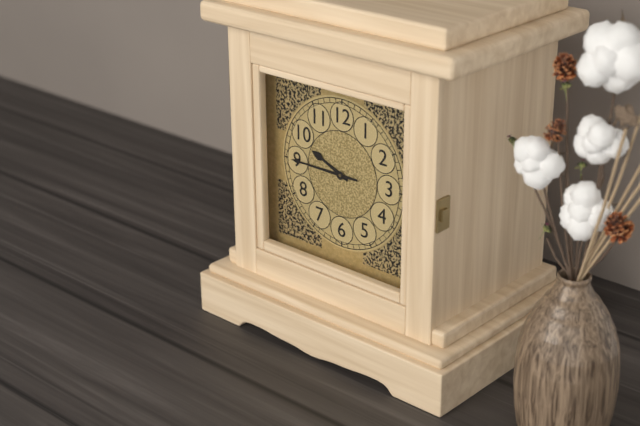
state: 9:45
